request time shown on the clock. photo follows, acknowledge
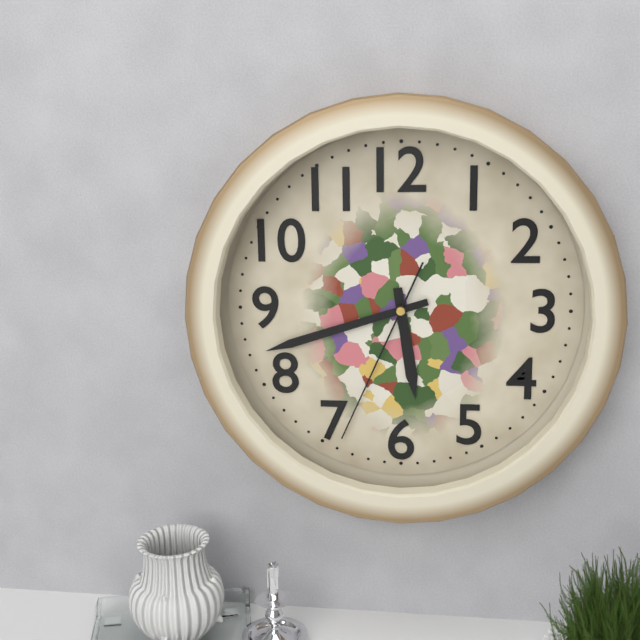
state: 5:42:34
